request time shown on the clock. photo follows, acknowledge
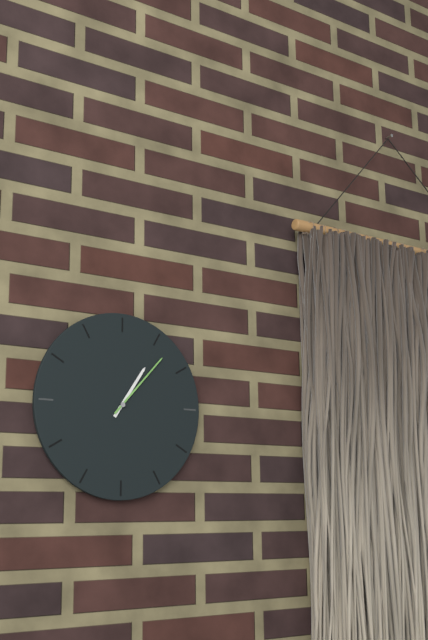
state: 1:07
